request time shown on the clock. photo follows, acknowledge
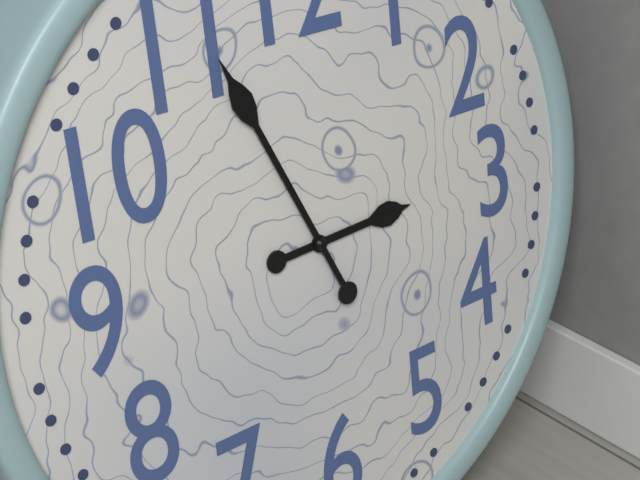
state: 2:56
